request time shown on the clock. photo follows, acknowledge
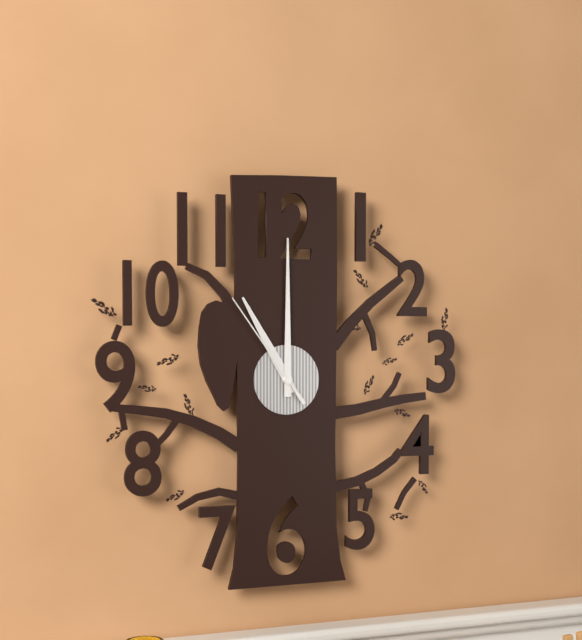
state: 11:00:54
